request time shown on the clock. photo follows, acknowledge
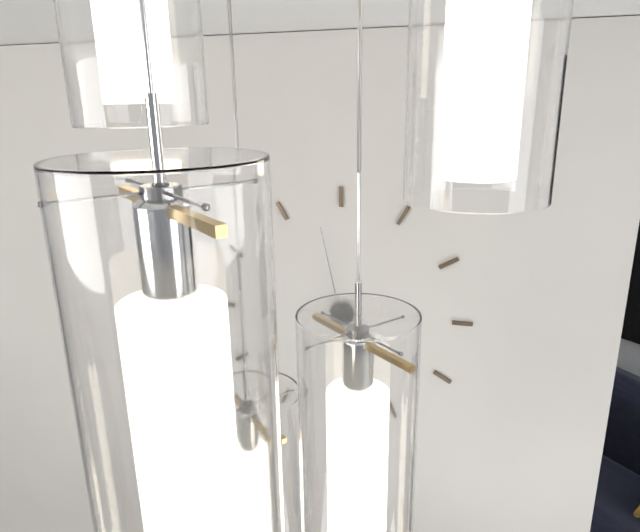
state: 5:58
